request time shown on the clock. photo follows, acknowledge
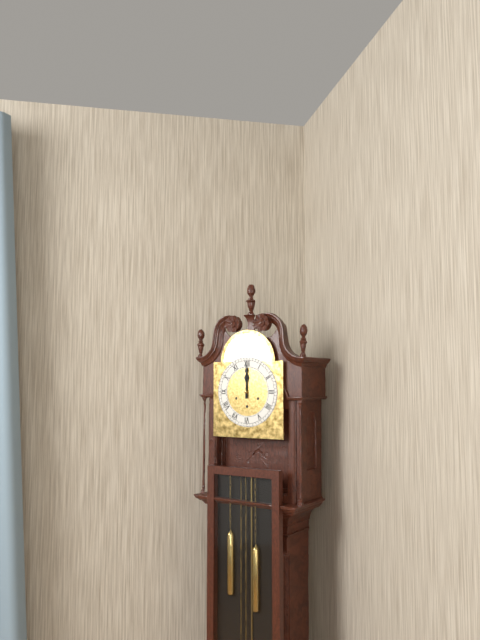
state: 12:00
